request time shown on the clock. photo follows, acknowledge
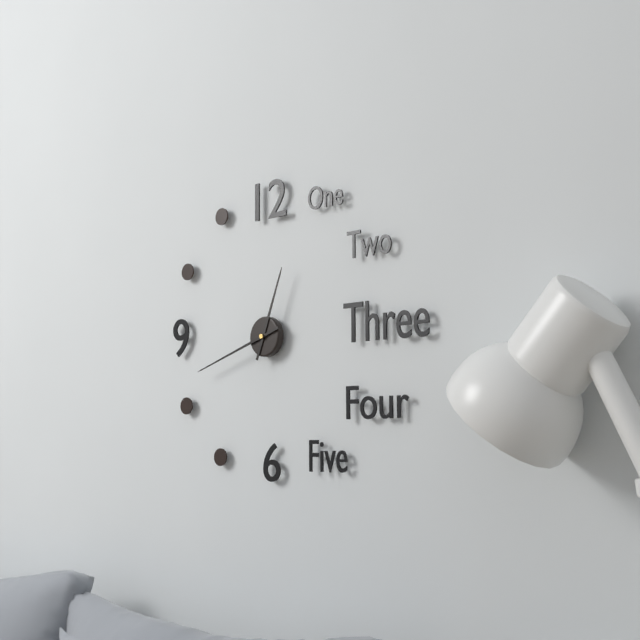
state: 12:42
